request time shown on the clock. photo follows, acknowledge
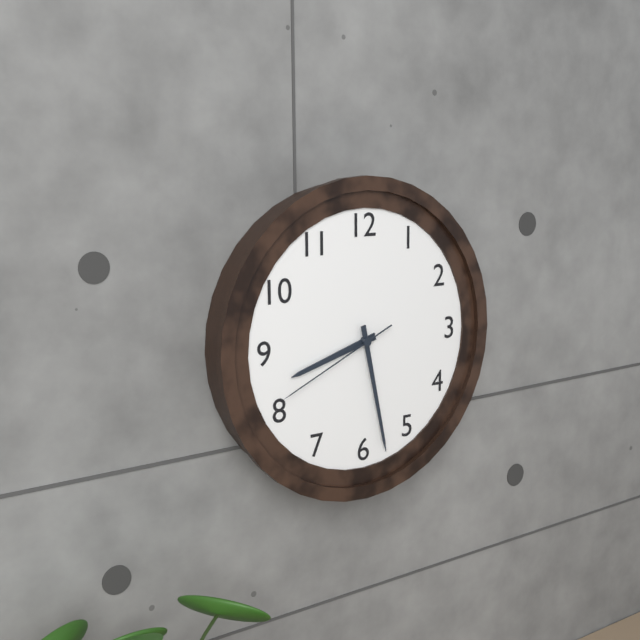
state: 8:28:41
